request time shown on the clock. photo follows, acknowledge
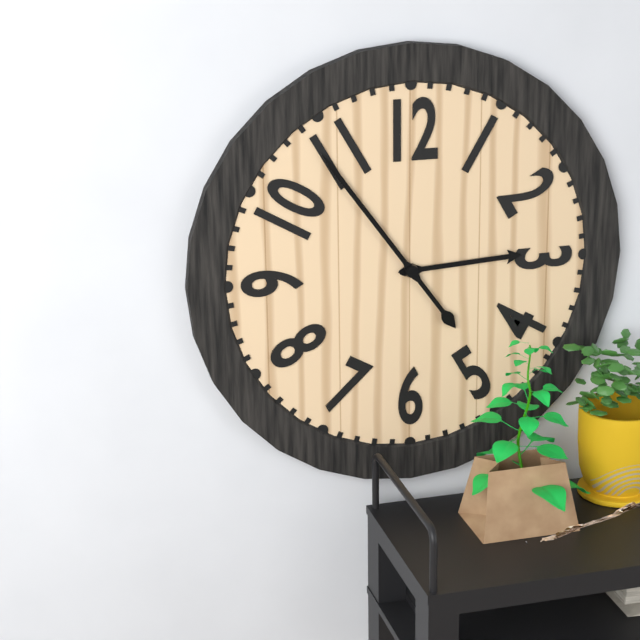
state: 2:54
